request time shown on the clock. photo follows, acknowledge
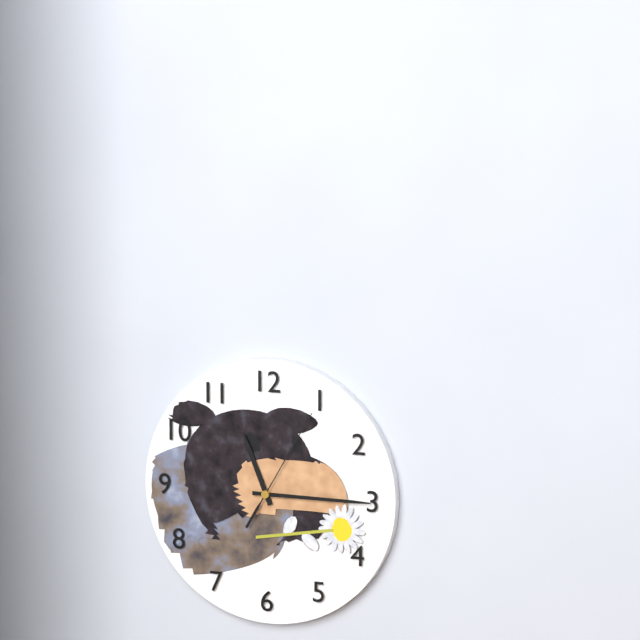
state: 11:15:05
